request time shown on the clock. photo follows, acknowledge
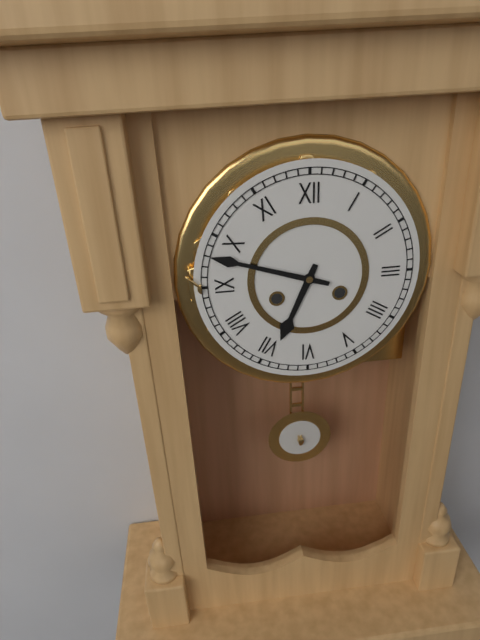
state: 6:48
